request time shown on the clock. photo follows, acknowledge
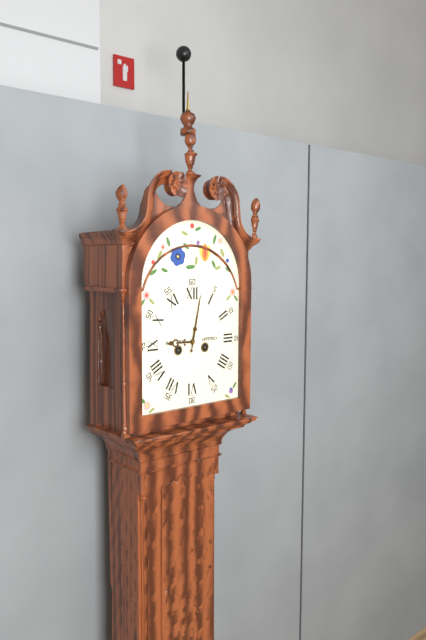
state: 9:02
